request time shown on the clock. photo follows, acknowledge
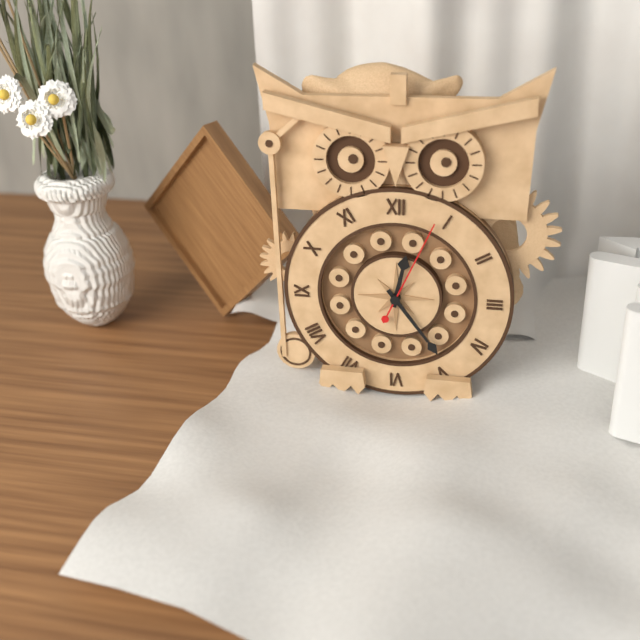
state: 12:24:04
